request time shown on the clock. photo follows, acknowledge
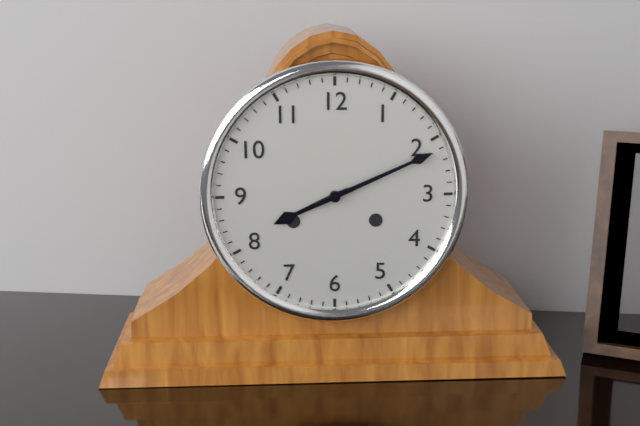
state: 8:11
